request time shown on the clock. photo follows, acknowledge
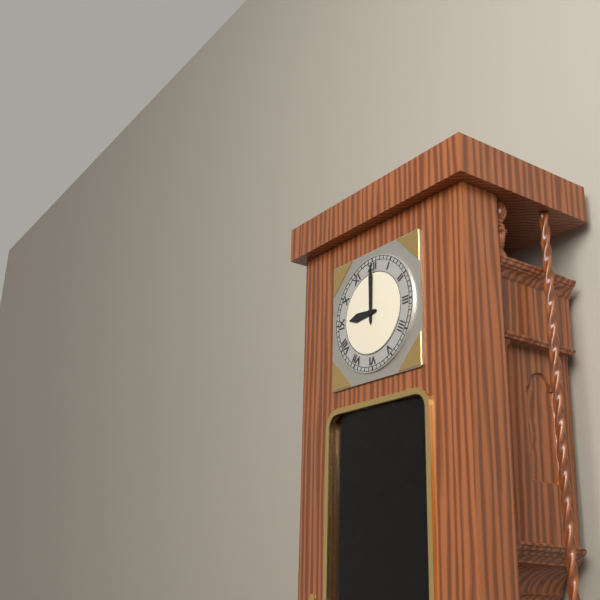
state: 9:00
